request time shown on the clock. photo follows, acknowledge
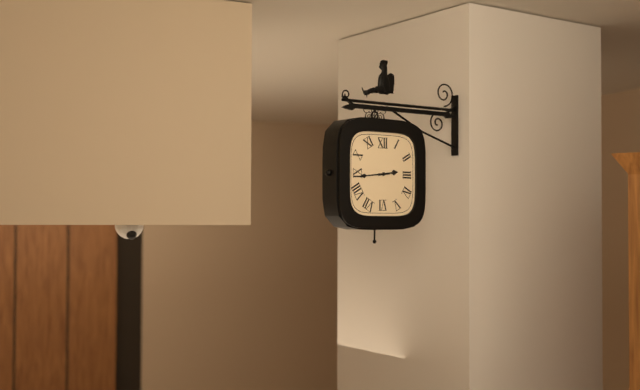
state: 2:44
